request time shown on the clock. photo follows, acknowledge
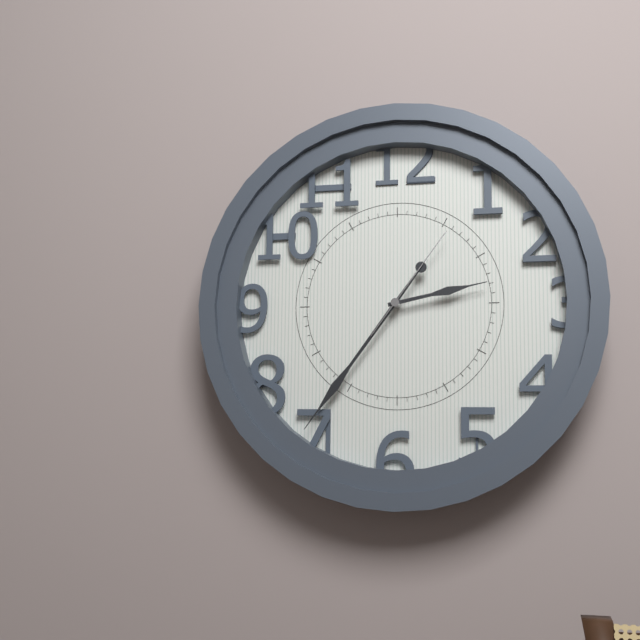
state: 2:36:06
